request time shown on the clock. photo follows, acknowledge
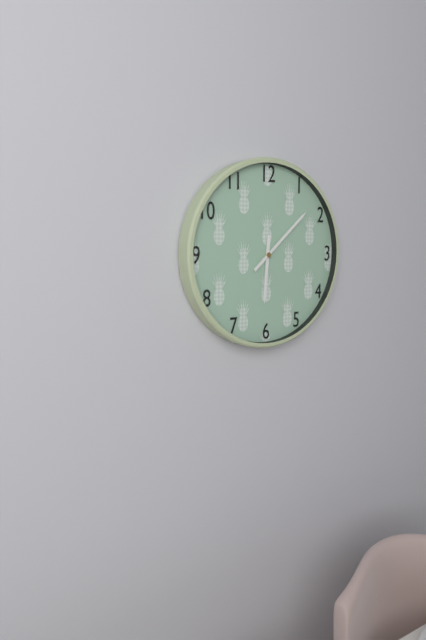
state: 6:08
